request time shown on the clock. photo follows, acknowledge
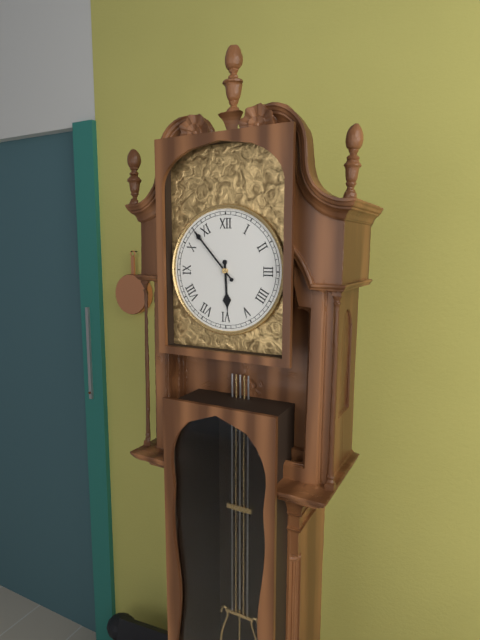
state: 5:53
